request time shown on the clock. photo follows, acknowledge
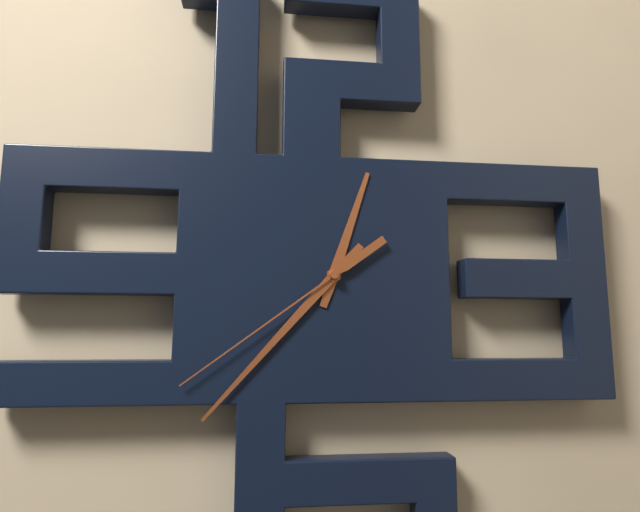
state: 12:37:39
